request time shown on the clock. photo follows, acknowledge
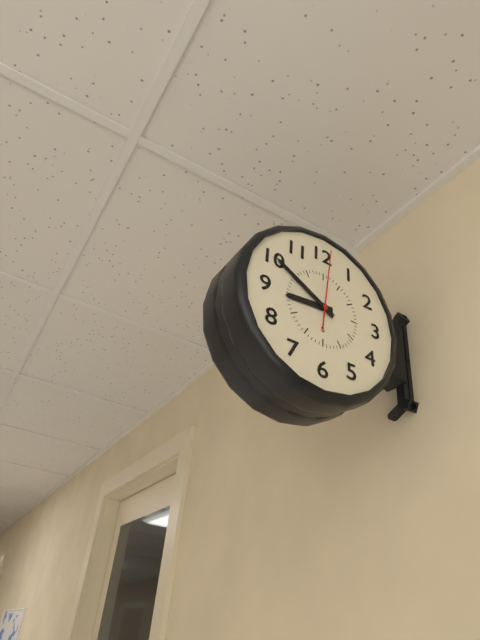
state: 8:50:01
